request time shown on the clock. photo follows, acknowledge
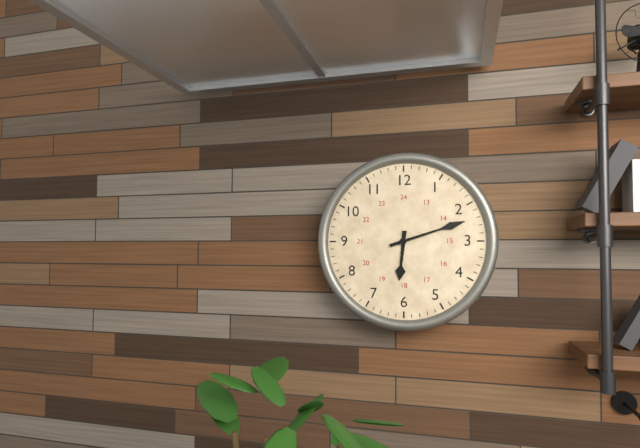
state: 6:12
